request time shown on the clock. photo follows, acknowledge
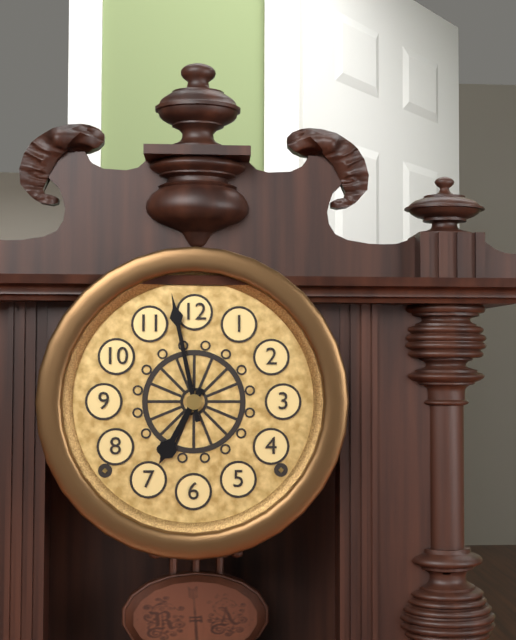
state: 6:58
